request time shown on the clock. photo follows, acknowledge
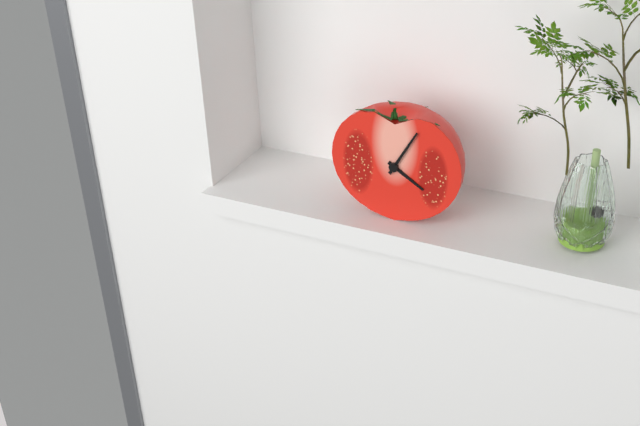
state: 4:05
